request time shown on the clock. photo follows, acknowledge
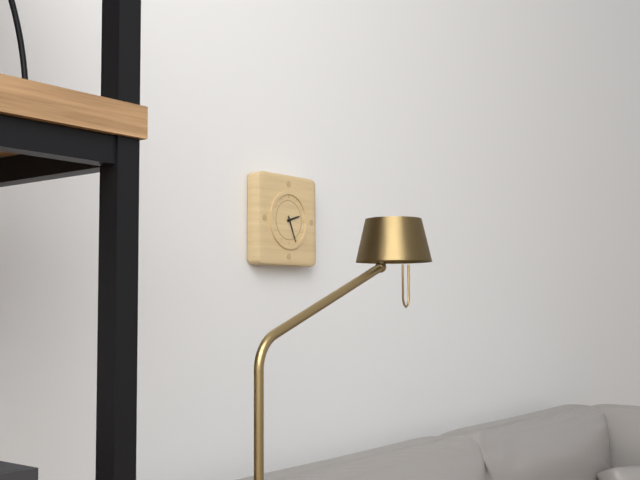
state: 2:26
